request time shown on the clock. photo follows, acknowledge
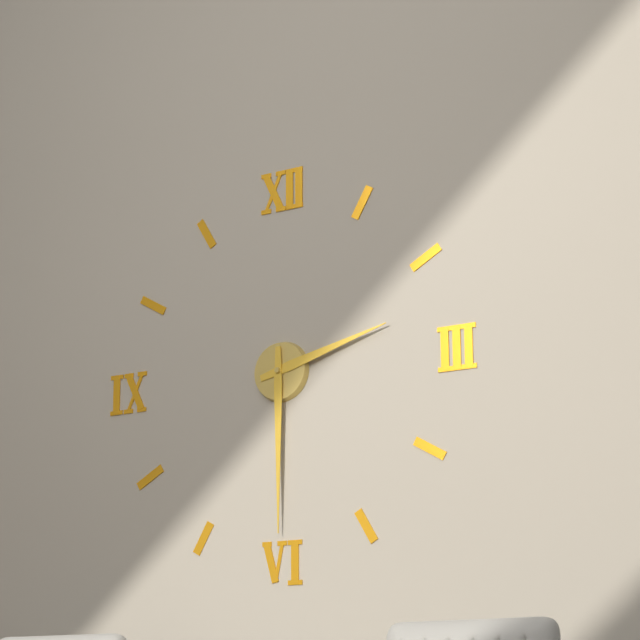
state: 2:30
